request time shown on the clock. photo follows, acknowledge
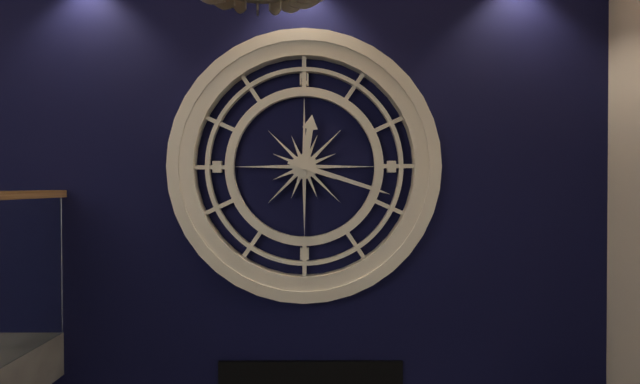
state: 12:18
